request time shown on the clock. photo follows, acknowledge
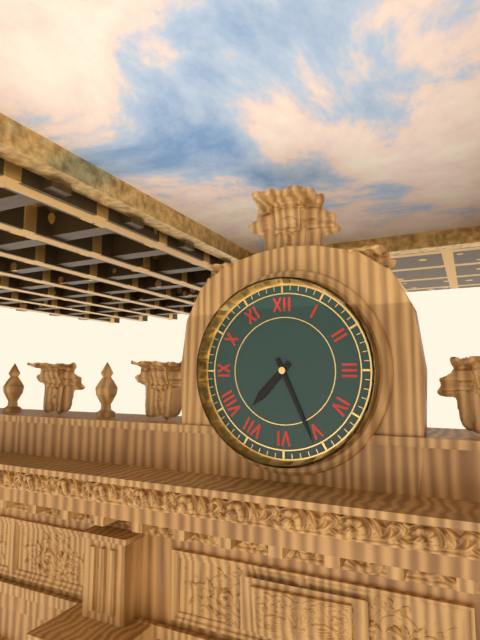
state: 7:26
